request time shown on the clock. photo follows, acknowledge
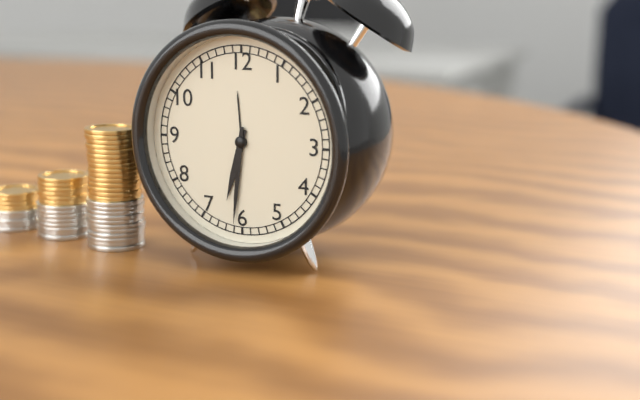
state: 6:31
